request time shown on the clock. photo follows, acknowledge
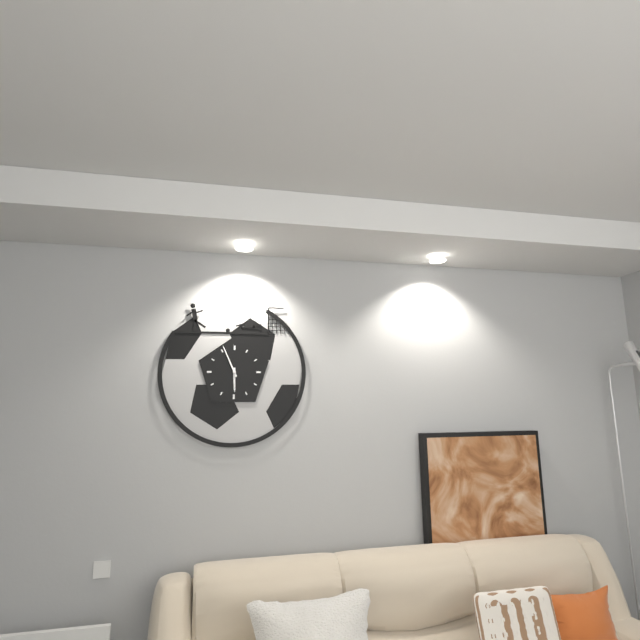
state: 5:56
